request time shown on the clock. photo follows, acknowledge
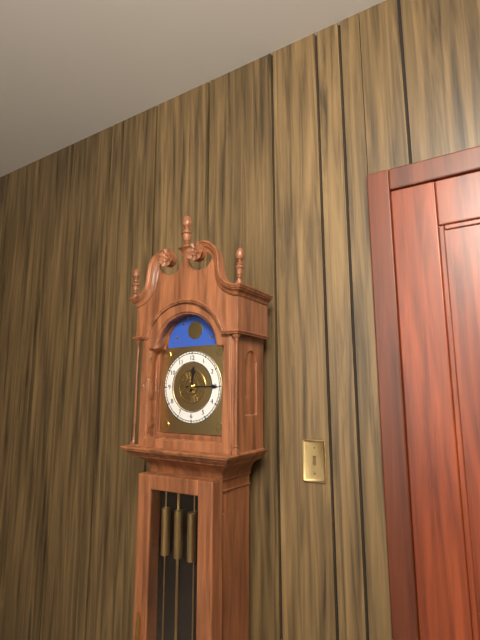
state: 12:15
